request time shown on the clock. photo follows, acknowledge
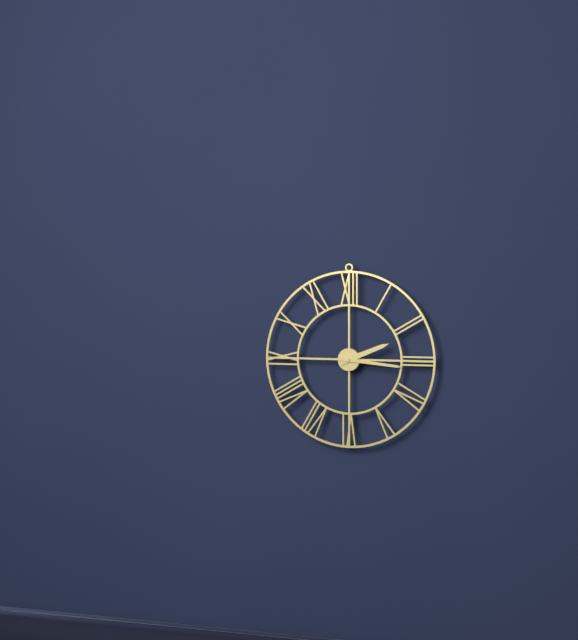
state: 2:16
